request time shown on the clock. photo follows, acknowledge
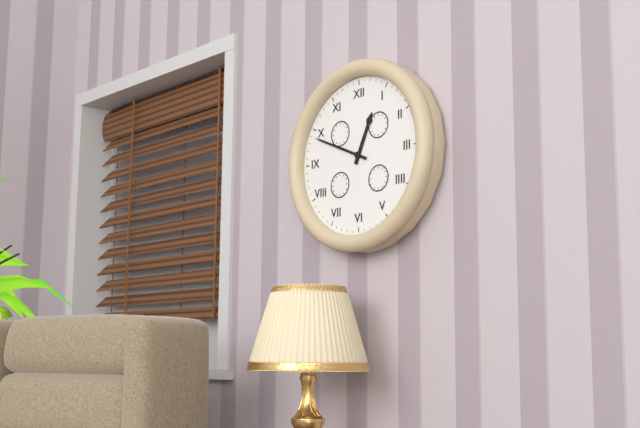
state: 12:49
